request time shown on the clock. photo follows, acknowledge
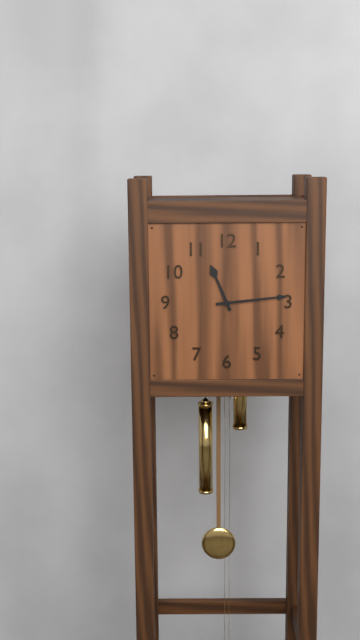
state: 11:14
